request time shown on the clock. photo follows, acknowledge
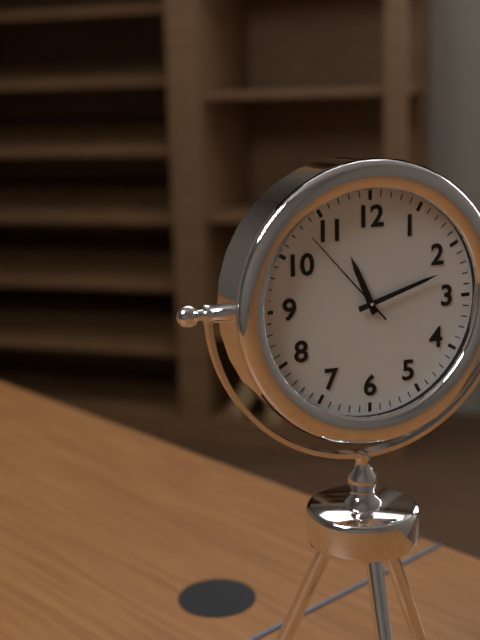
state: 11:12:53
